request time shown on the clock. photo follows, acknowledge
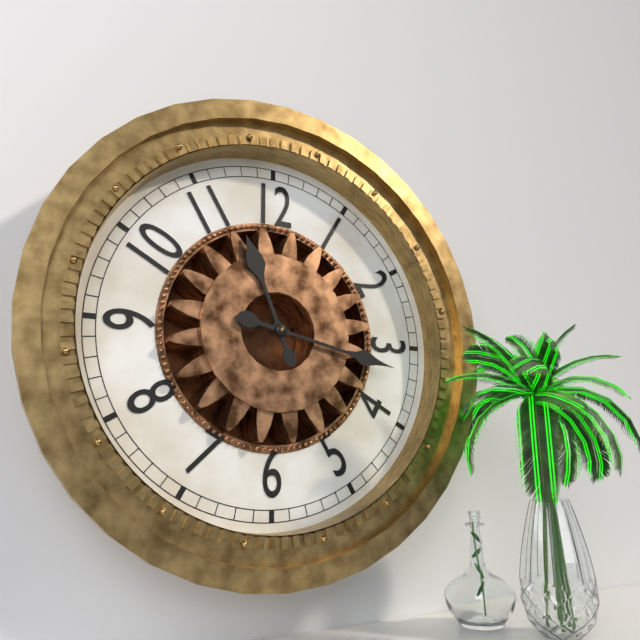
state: 11:17
